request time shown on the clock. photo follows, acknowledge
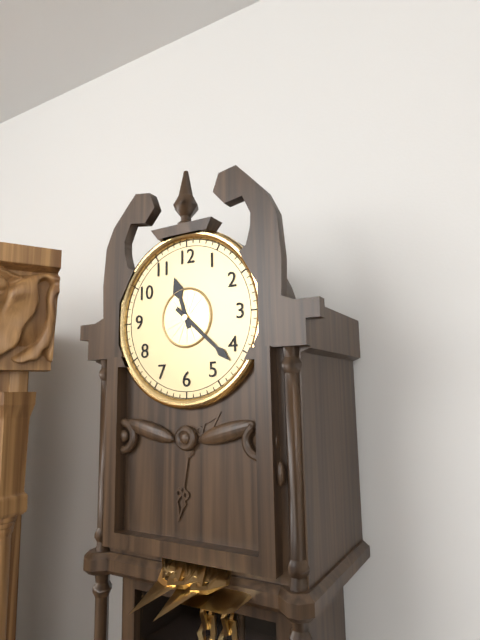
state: 11:22
